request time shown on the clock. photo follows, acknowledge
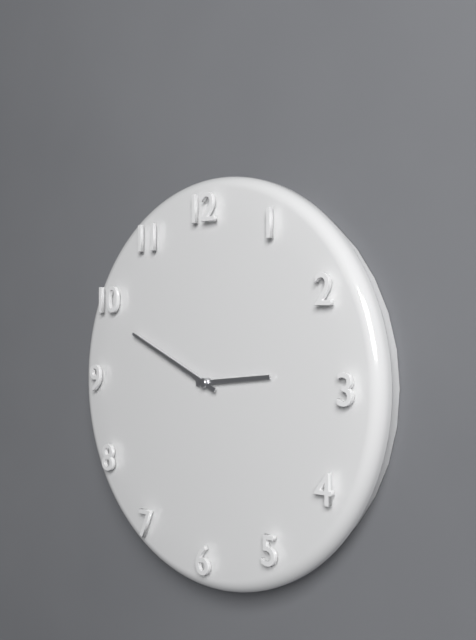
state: 2:49
